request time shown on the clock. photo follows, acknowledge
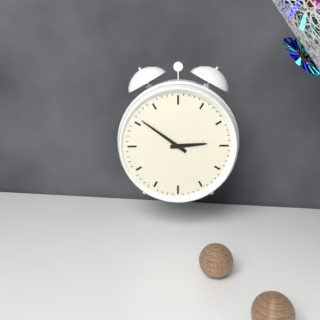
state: 2:51
